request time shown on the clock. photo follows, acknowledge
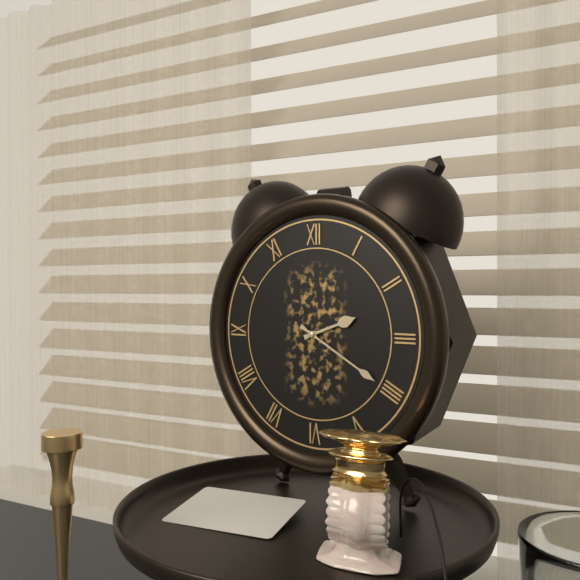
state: 2:20
